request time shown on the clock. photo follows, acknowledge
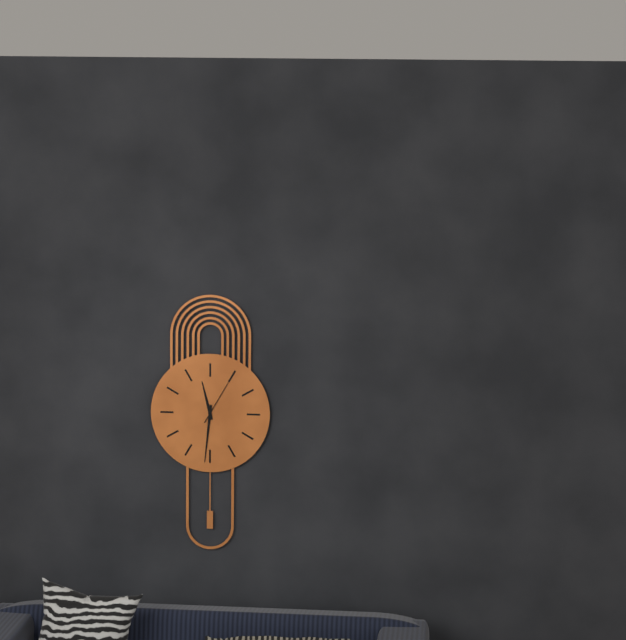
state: 11:31
